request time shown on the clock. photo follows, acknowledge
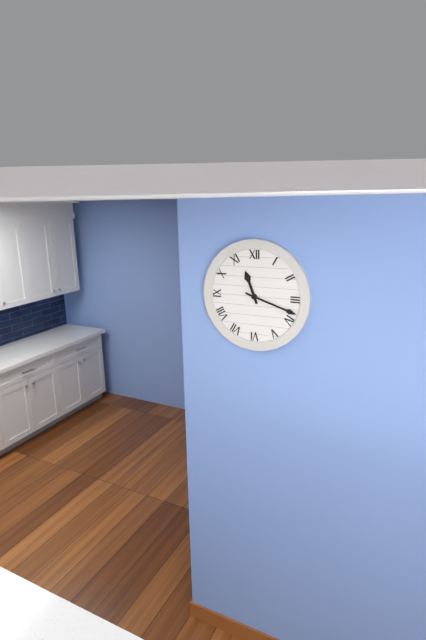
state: 11:18
